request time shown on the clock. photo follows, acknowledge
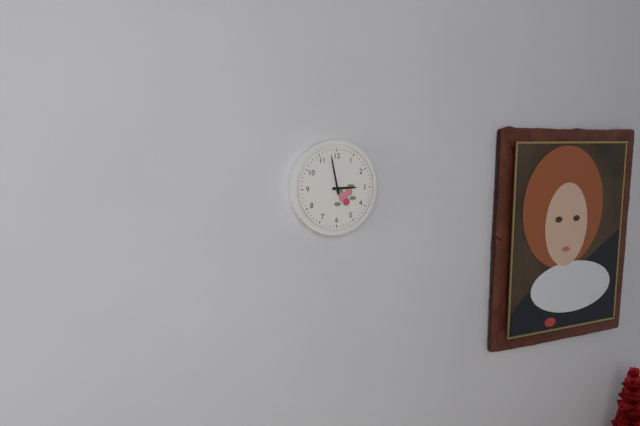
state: 2:58
